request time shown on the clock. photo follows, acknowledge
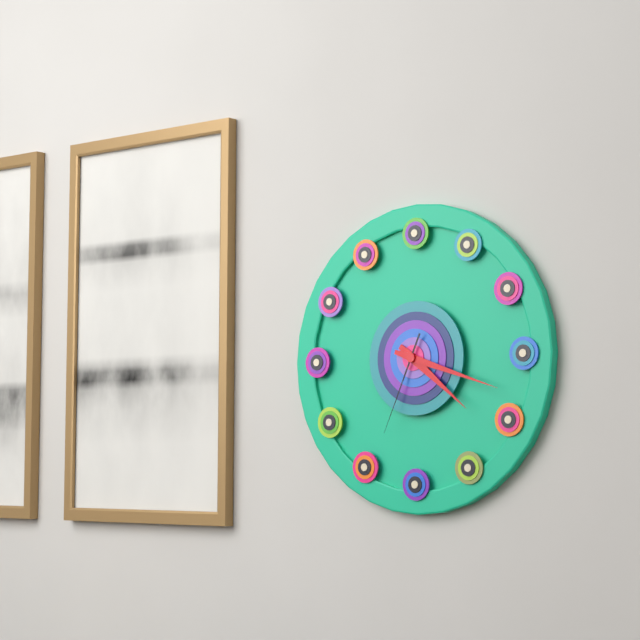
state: 4:18:34
